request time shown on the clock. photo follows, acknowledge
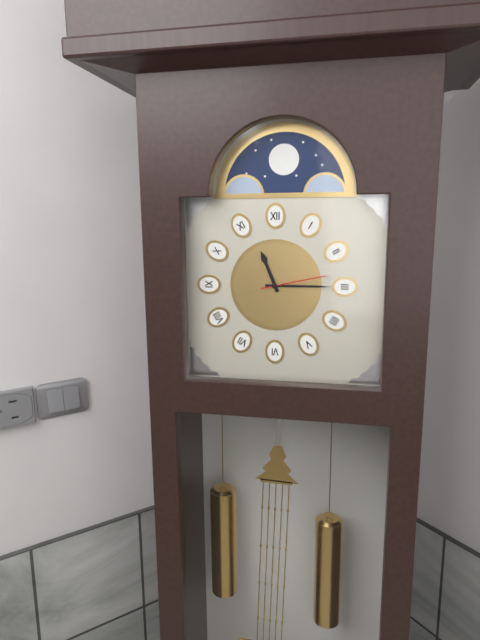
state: 11:15:13
